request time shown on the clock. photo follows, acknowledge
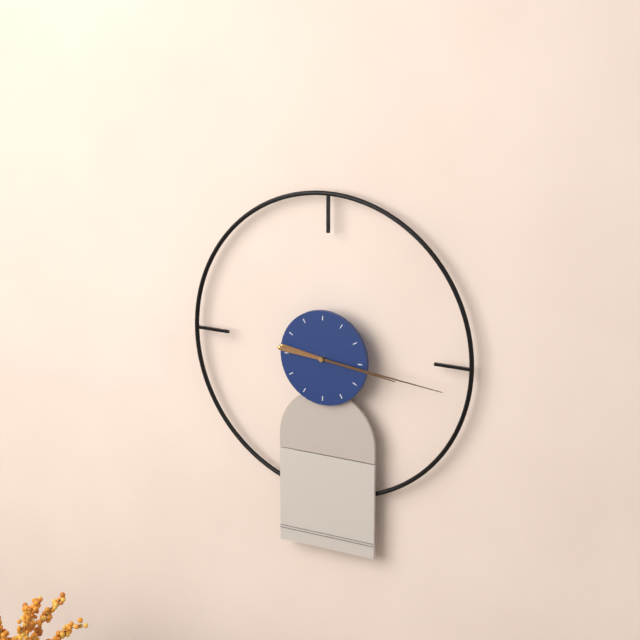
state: 3:16
